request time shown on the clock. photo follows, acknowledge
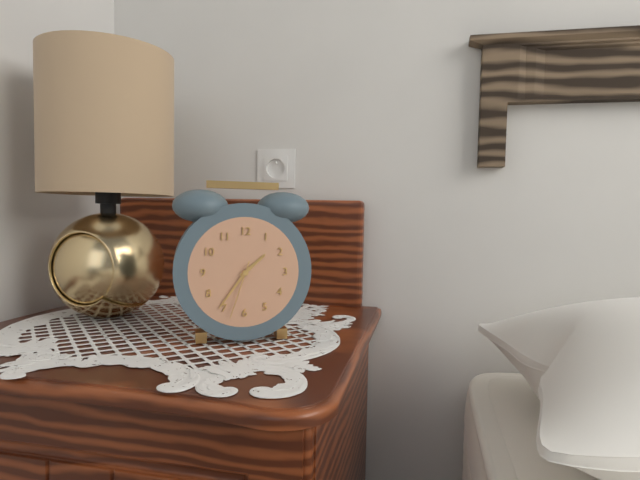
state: 1:36:33
